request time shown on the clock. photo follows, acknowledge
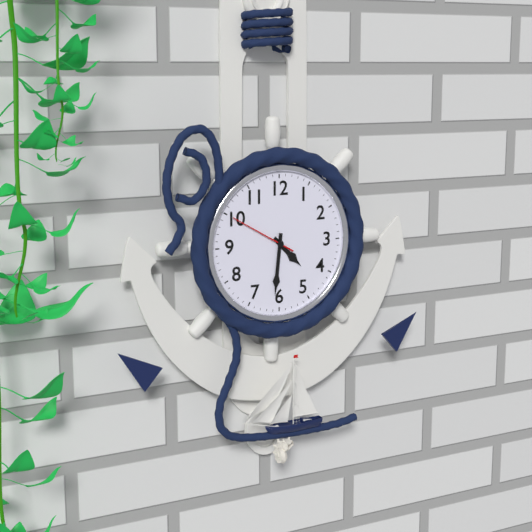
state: 4:31:50
